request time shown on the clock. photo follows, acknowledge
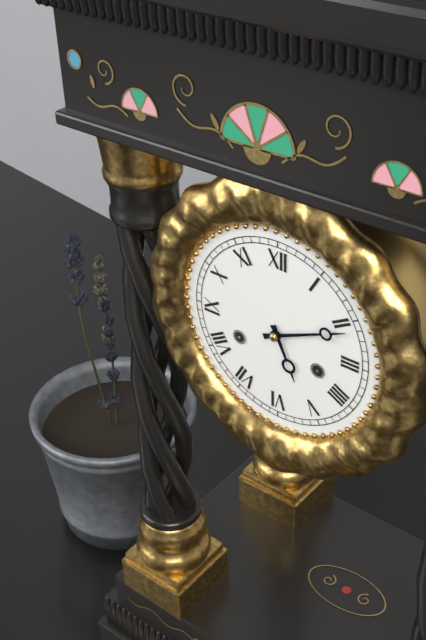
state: 5:11
